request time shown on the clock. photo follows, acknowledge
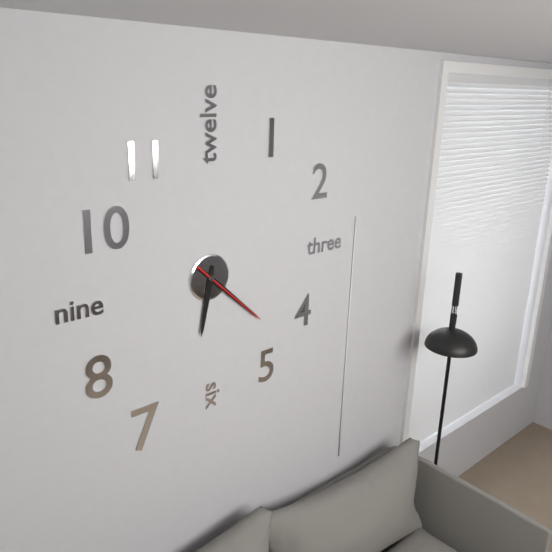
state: 6:22:22
